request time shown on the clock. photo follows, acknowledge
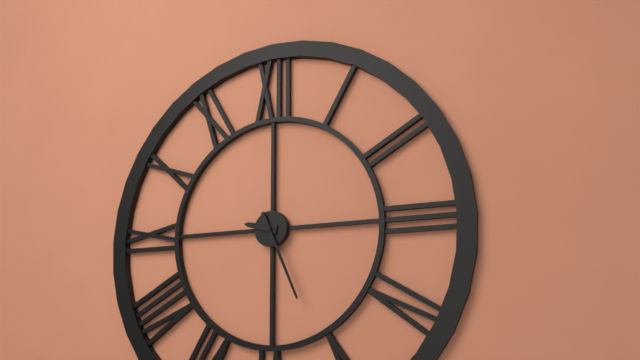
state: 9:26
